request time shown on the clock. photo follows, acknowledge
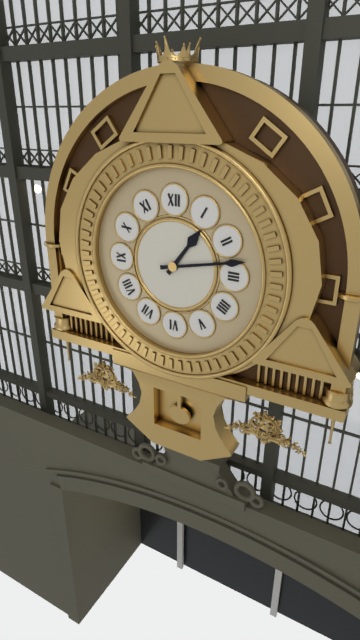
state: 1:13
